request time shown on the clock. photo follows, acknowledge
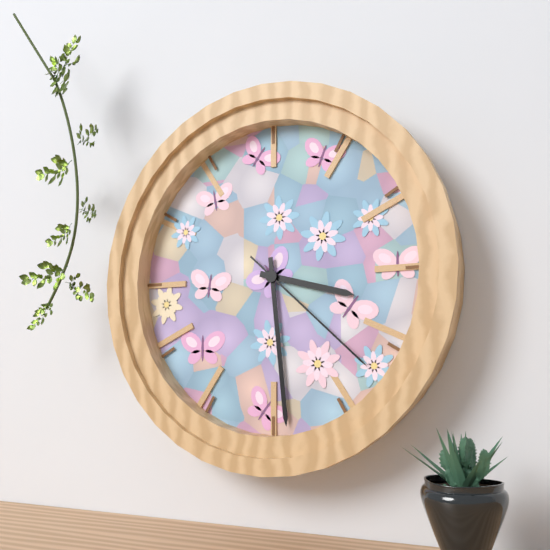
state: 3:29:22
